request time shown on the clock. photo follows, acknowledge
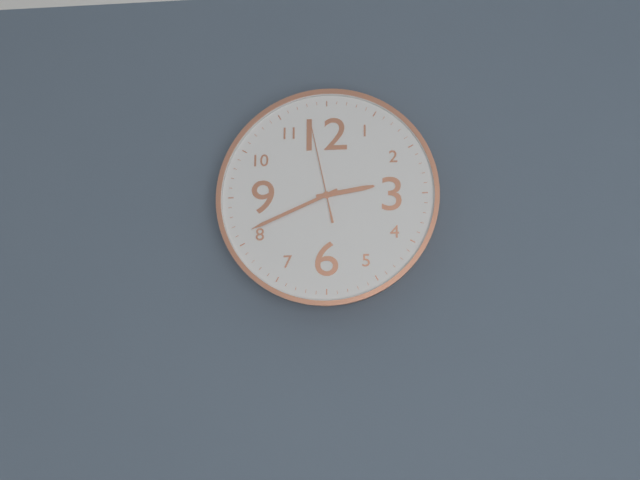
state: 2:41:58
